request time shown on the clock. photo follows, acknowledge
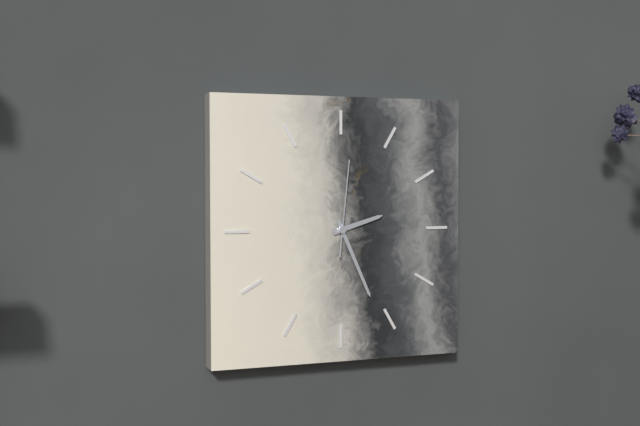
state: 2:26:01
